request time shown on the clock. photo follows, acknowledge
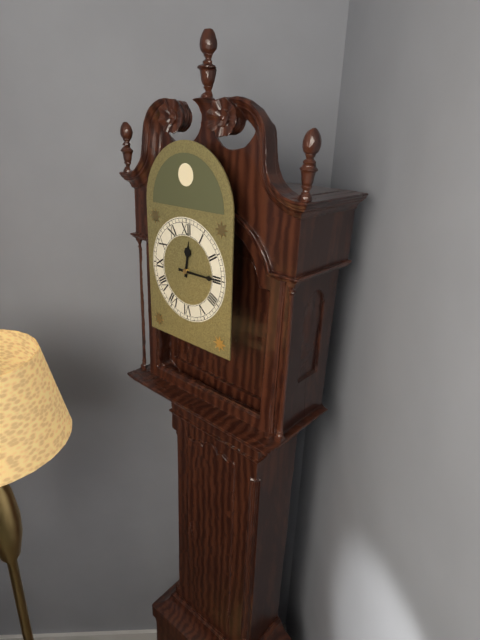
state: 12:15
